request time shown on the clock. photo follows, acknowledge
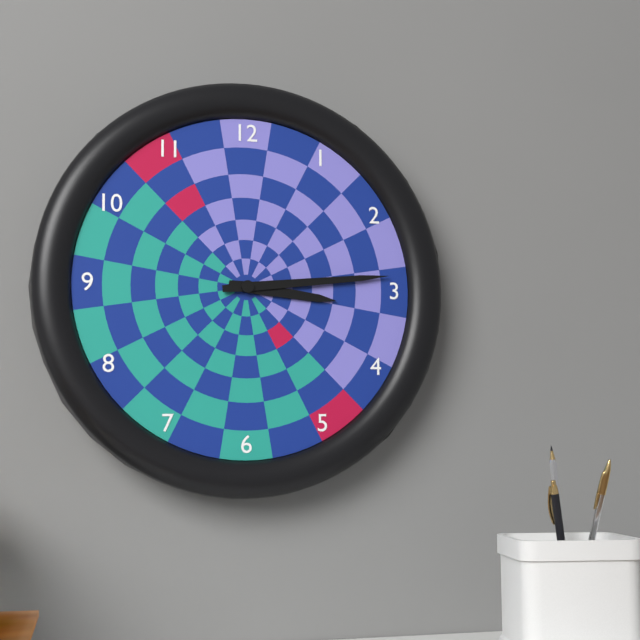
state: 3:14
